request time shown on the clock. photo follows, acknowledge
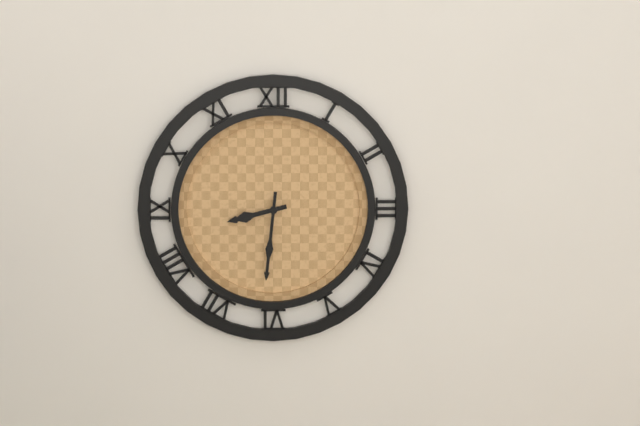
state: 8:31
